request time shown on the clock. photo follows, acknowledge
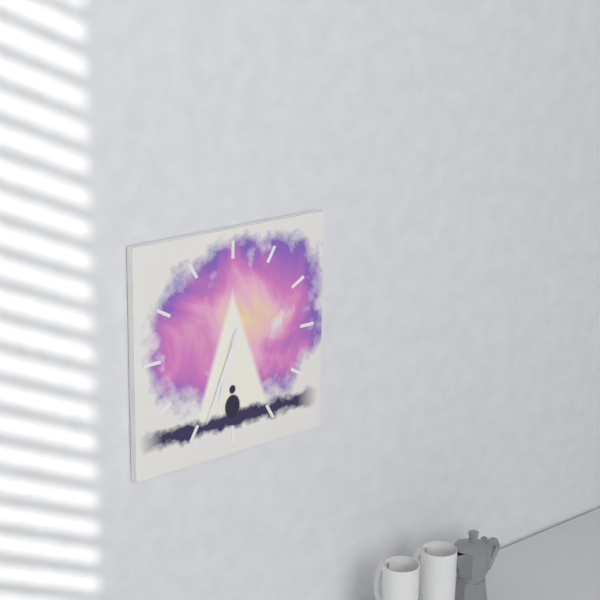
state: 6:34
